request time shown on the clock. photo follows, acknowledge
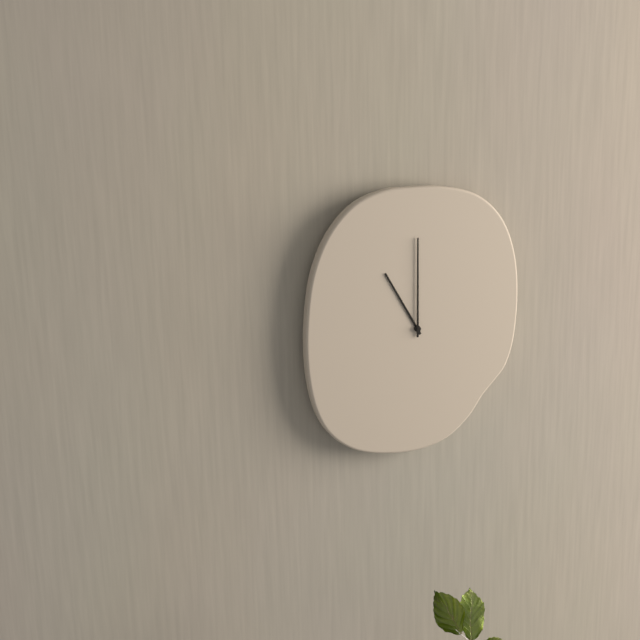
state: 11:00
